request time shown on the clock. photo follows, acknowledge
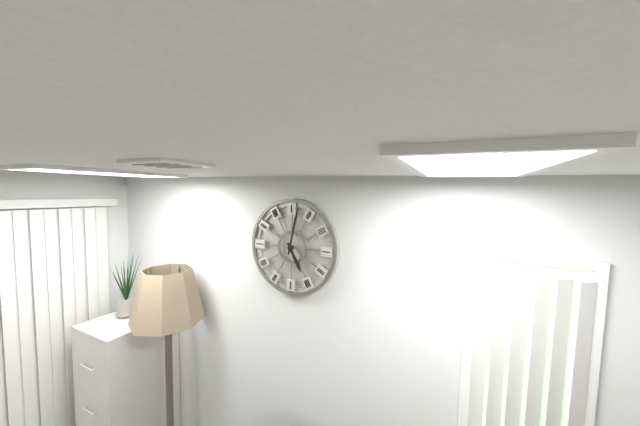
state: 5:02
